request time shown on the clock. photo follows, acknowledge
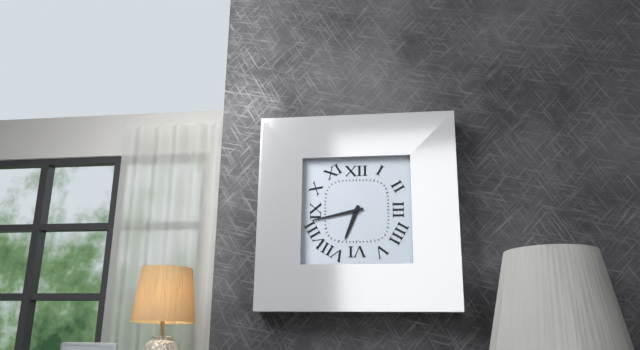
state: 6:43
